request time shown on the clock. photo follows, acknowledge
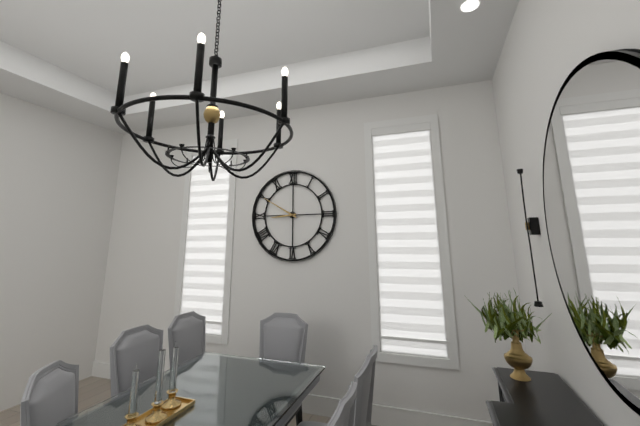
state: 8:50
